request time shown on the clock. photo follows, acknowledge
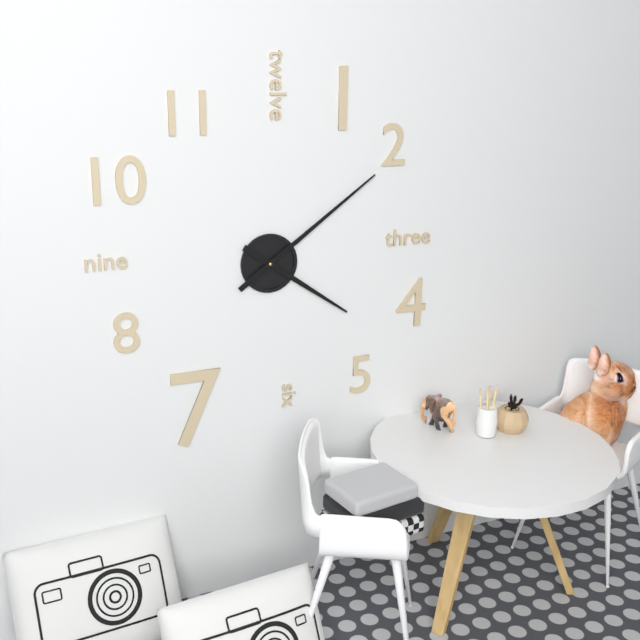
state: 4:09
